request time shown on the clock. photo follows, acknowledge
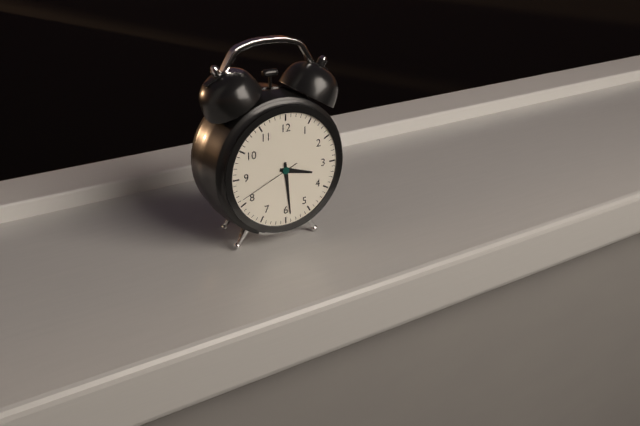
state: 3:29:41
